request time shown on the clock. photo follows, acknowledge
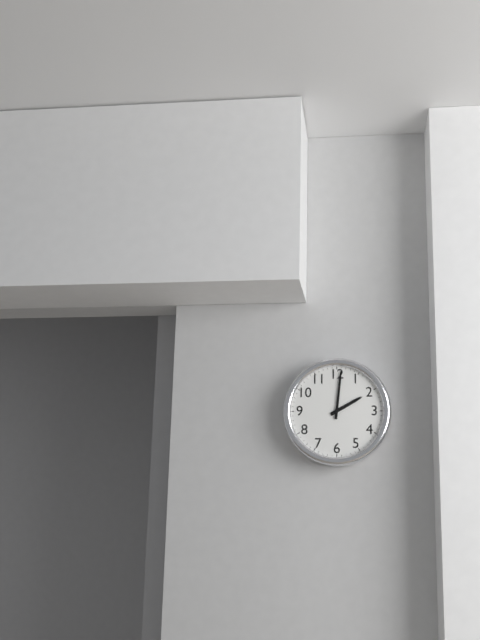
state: 2:01
